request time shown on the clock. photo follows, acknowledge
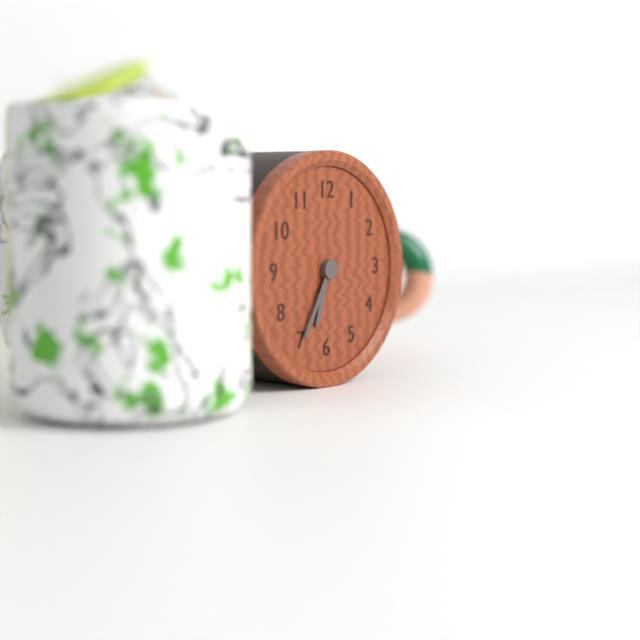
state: 6:35
